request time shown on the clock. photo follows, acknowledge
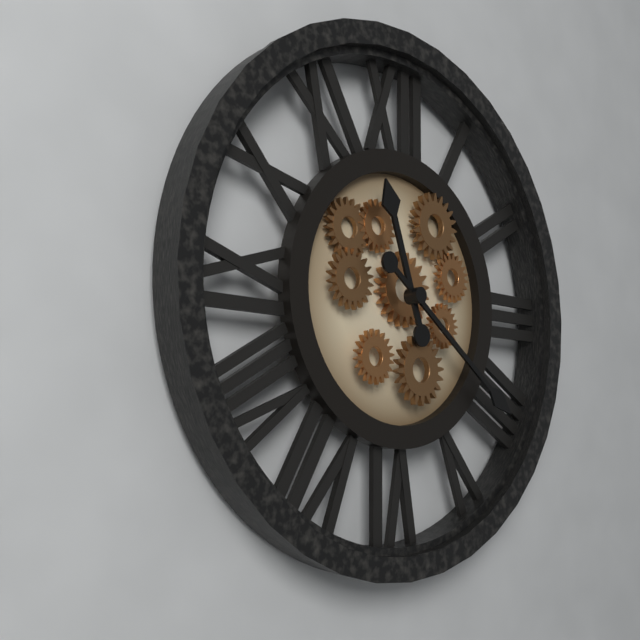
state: 11:21
